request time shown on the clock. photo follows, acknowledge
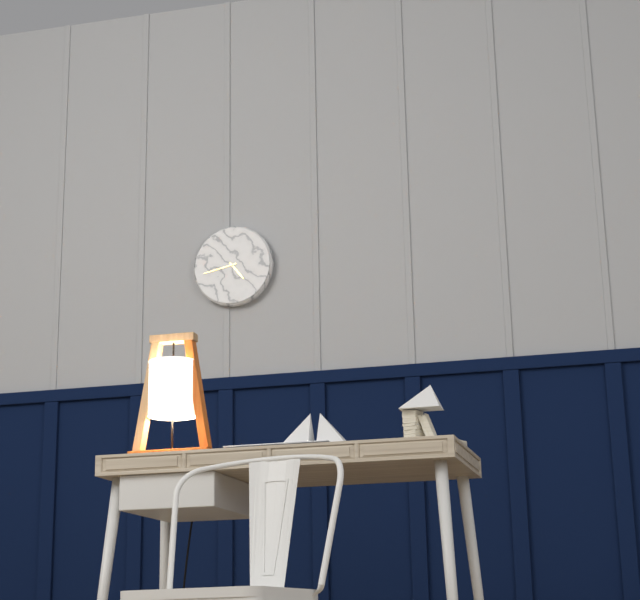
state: 4:43
